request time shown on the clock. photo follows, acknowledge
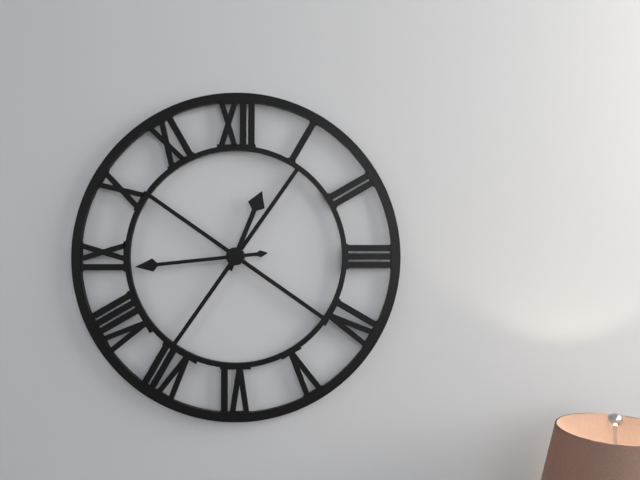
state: 12:44
